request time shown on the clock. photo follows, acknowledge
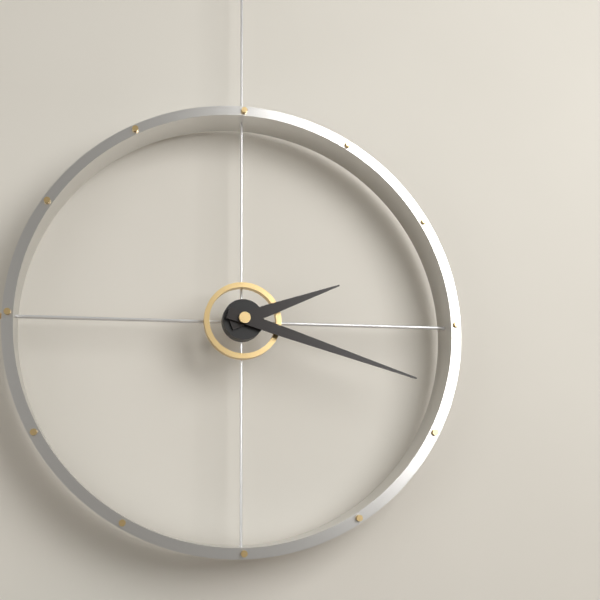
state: 2:18
